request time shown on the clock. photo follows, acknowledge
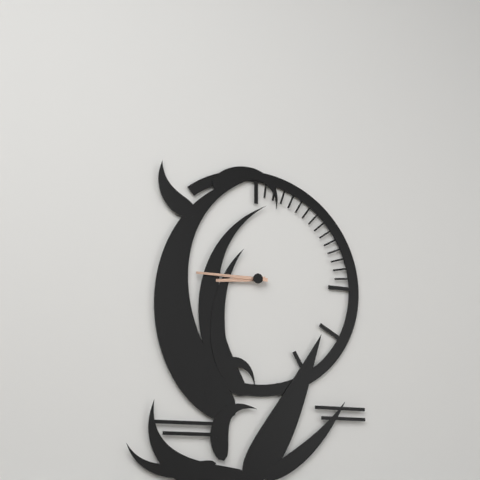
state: 8:45
